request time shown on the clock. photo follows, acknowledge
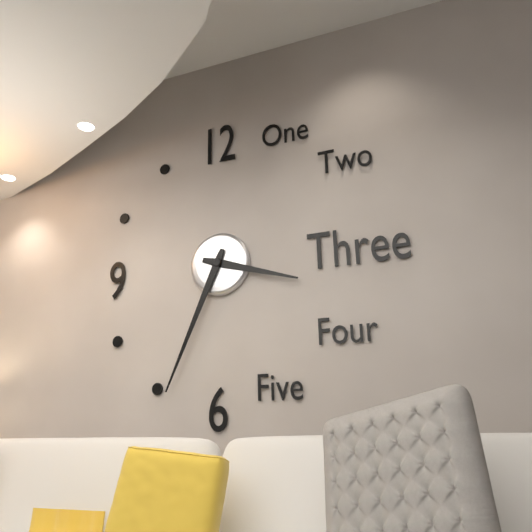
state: 3:34
